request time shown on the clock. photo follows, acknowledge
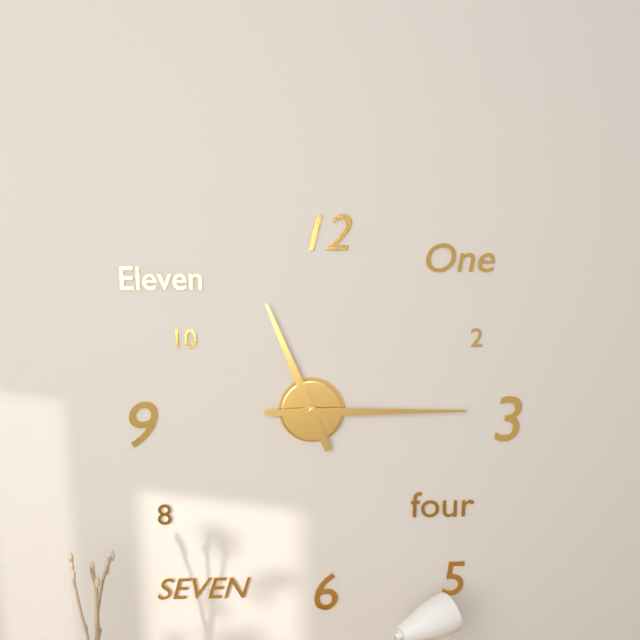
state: 11:15
